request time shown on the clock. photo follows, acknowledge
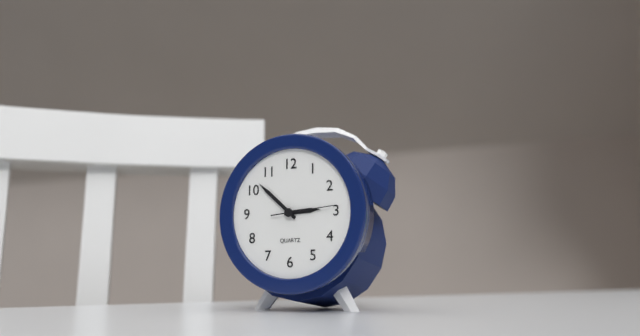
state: 2:52:14
